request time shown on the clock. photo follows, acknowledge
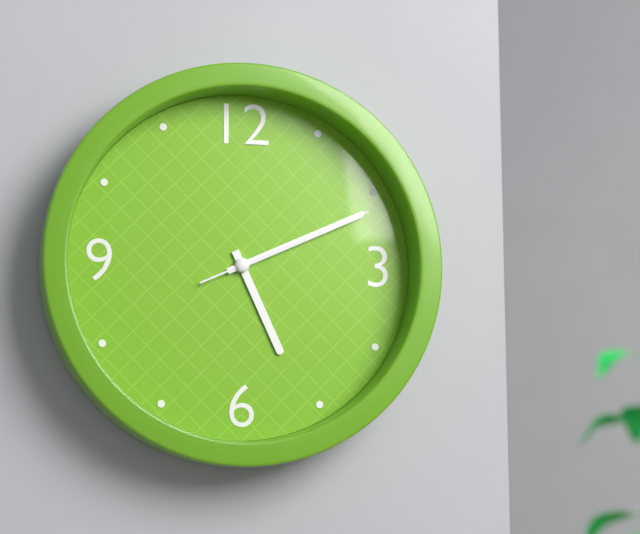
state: 5:11:11
